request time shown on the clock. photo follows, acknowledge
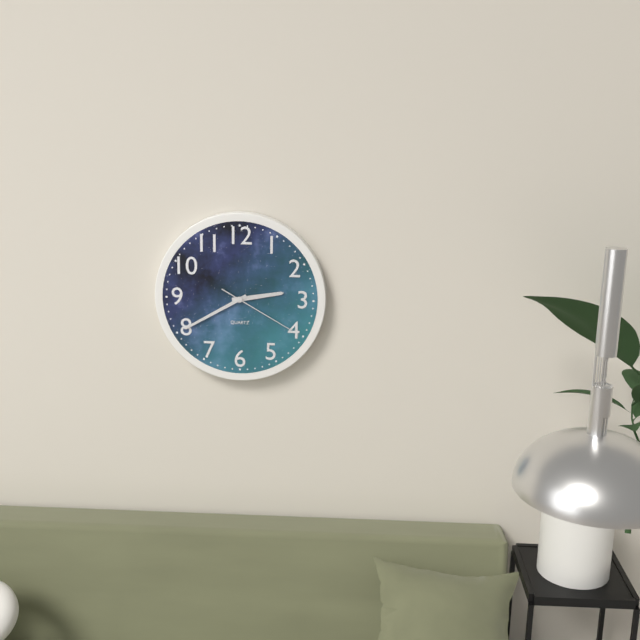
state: 2:40:20
